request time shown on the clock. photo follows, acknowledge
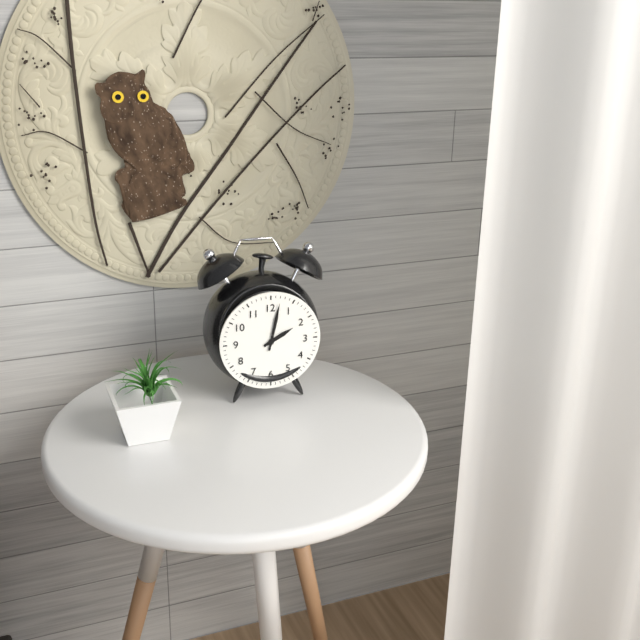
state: 2:02
